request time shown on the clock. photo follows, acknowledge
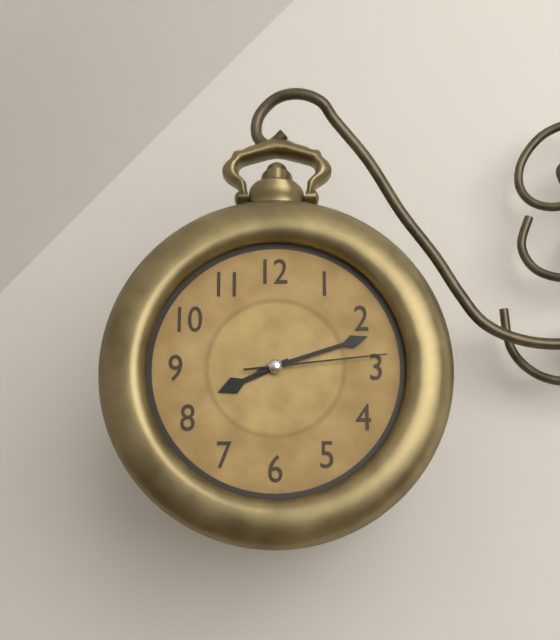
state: 8:12:14
